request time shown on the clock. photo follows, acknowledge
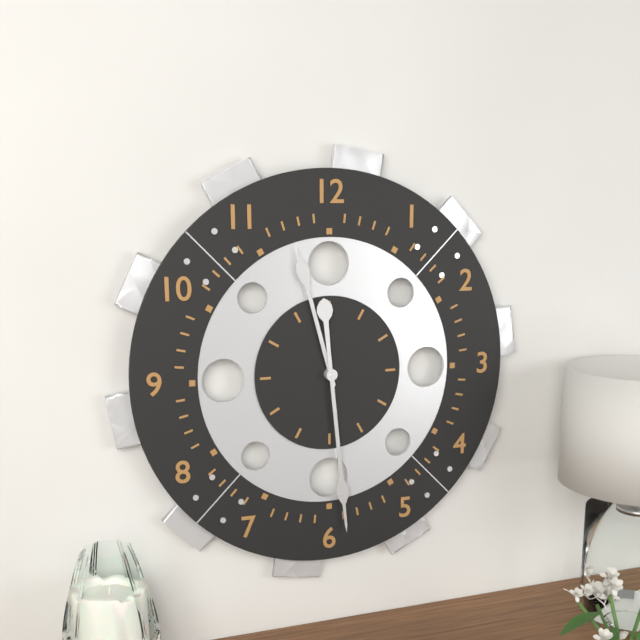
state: 11:29
